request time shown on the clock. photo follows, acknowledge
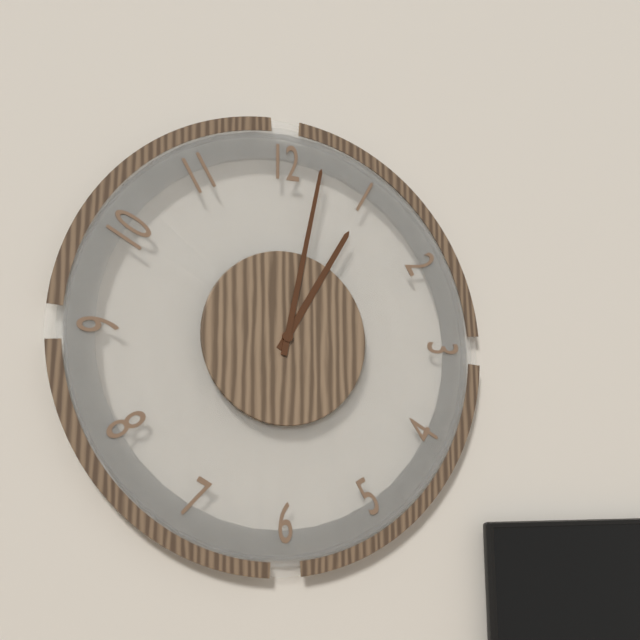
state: 1:02
